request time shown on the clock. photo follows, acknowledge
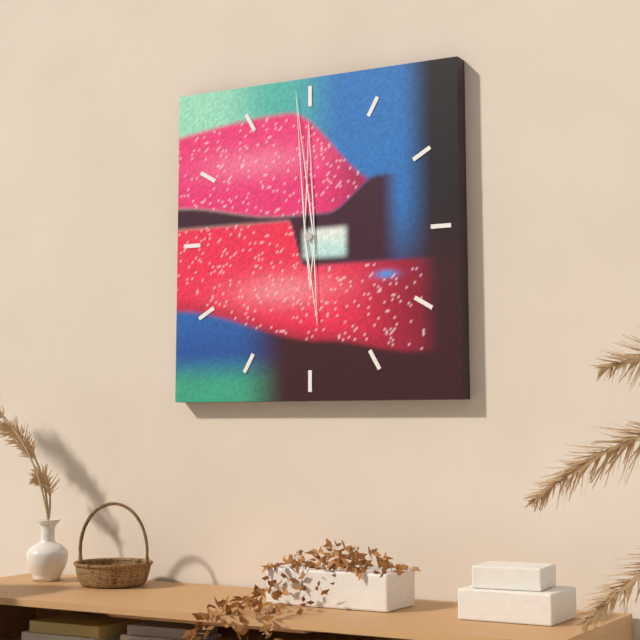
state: 11:59
